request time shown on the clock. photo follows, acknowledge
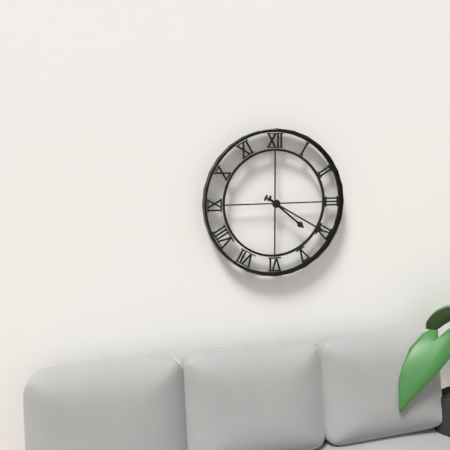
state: 4:20
